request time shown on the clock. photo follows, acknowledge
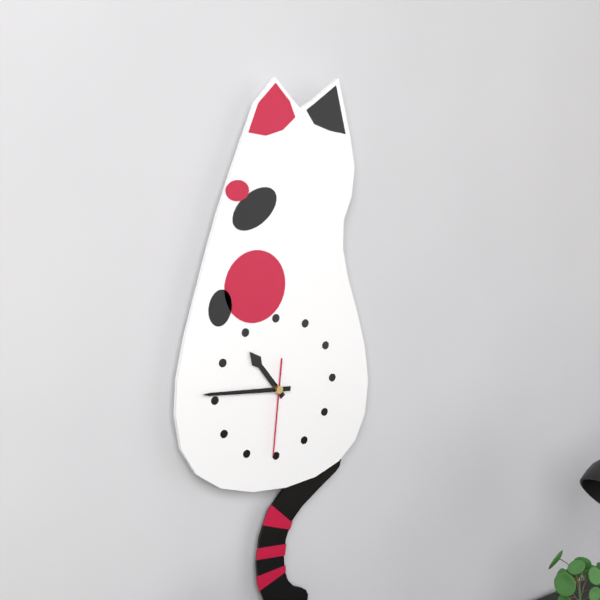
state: 10:46:31
